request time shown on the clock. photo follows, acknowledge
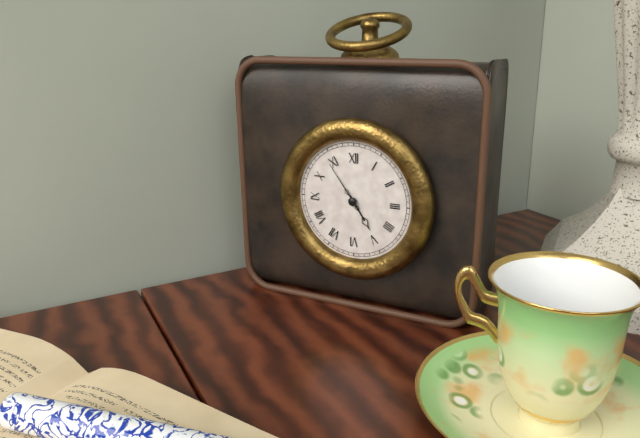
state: 4:54
